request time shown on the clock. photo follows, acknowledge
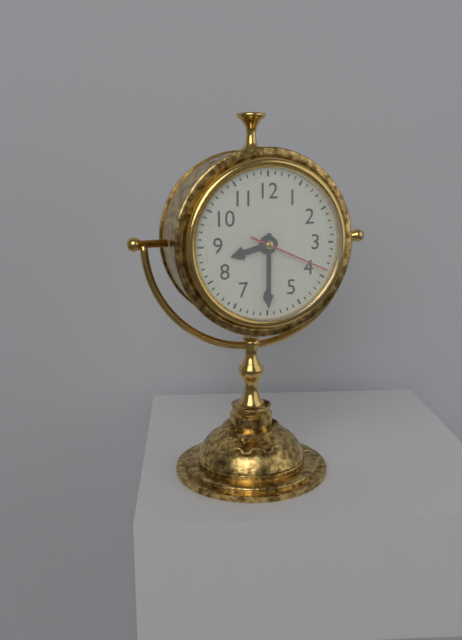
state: 8:30:19
